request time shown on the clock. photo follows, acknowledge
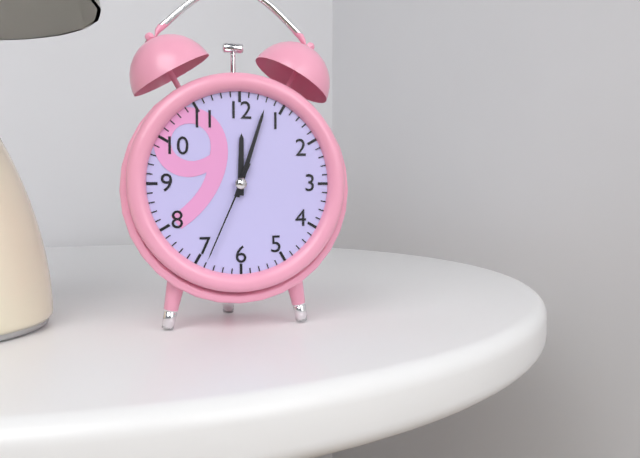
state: 12:03:34
